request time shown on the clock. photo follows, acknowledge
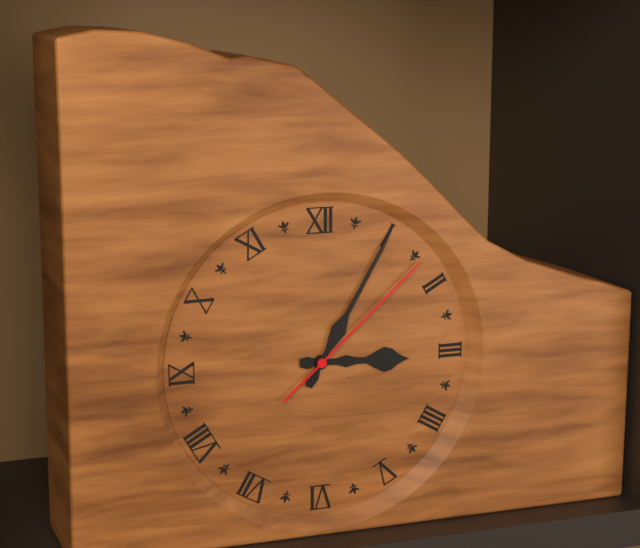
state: 3:05:08
